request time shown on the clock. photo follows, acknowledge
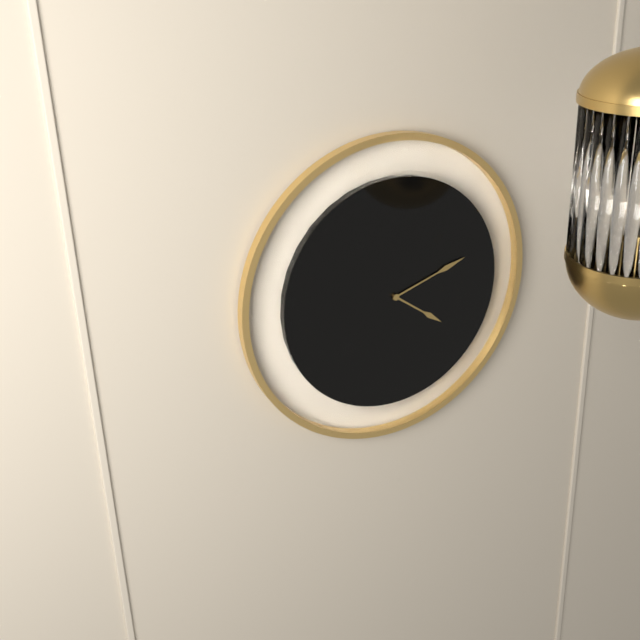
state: 4:12
